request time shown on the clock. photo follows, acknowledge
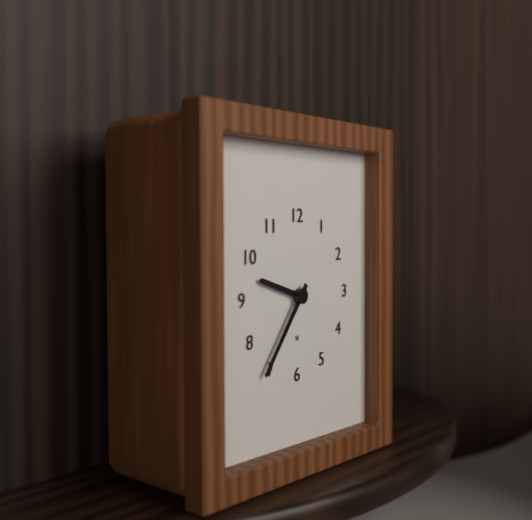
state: 9:36
